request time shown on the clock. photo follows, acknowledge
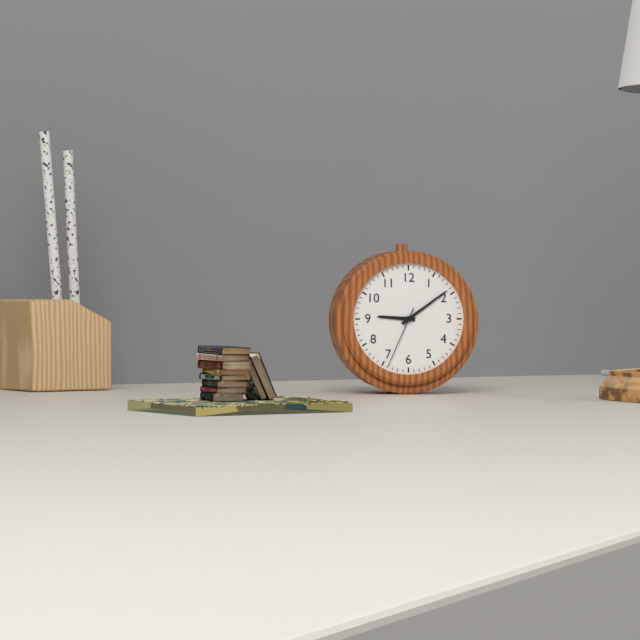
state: 9:09:34
